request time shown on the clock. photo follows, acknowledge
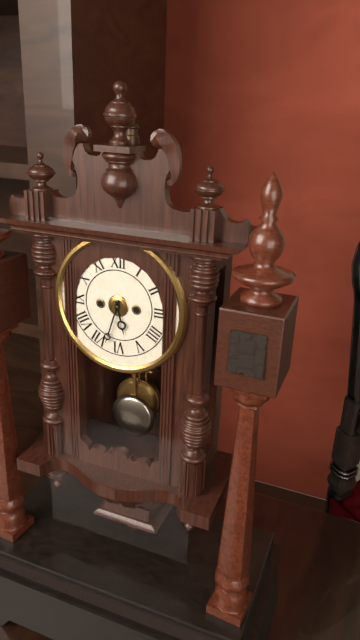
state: 5:33
